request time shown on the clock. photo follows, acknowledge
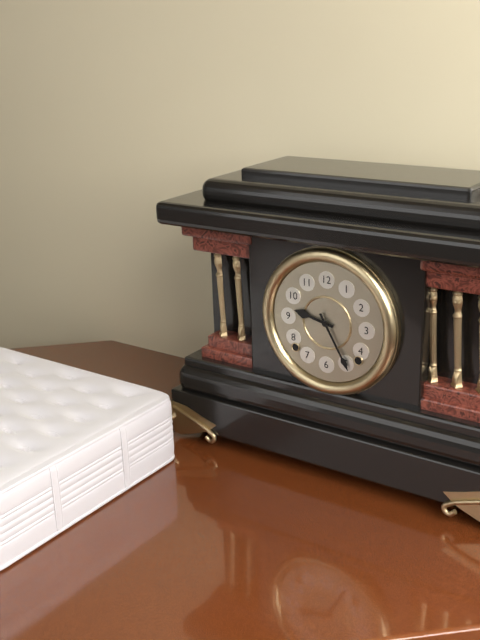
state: 9:25
